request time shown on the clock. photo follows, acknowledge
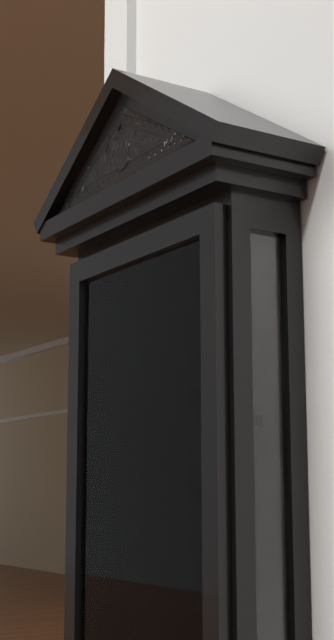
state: 7:27
